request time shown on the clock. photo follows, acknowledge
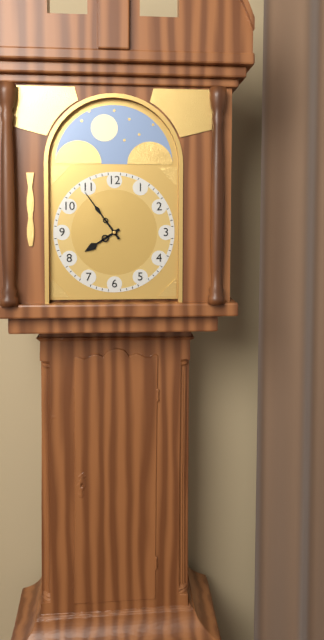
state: 7:54
